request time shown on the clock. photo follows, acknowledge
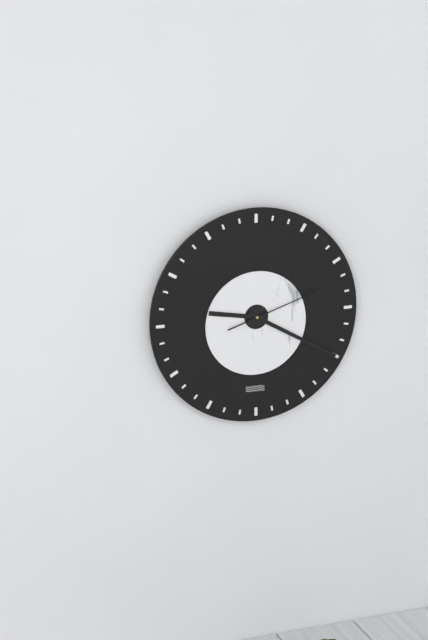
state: 9:20:12
